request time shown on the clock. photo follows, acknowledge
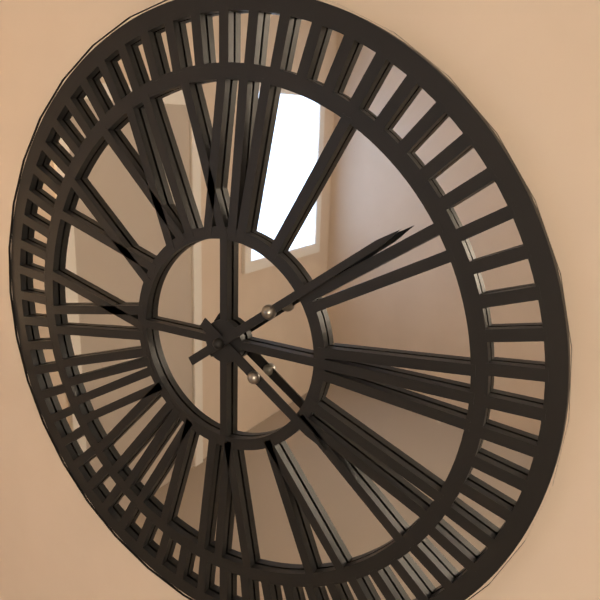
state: 4:09
